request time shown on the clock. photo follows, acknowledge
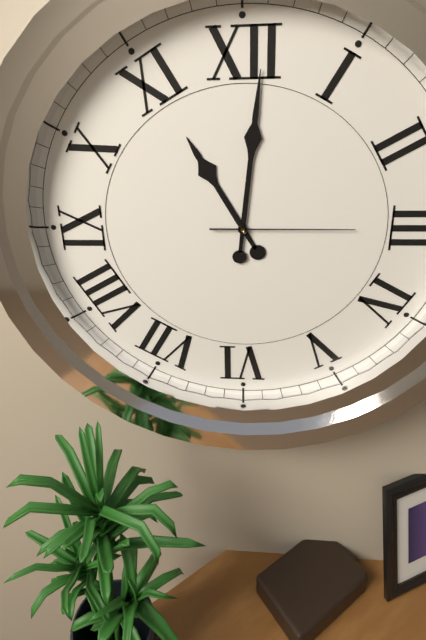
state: 11:01:15
